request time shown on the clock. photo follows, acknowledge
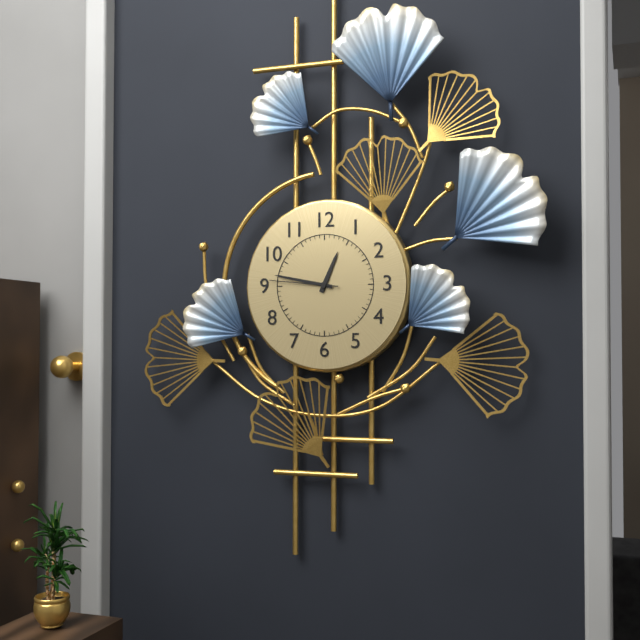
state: 12:47:46
